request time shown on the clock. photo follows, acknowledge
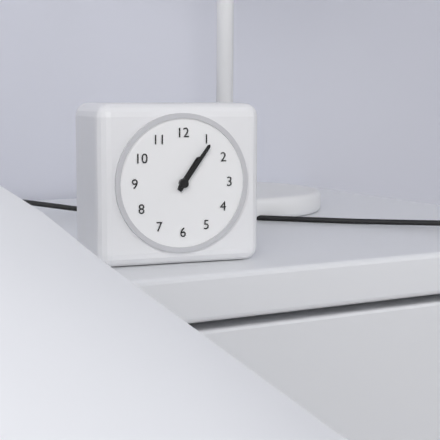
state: 1:06
